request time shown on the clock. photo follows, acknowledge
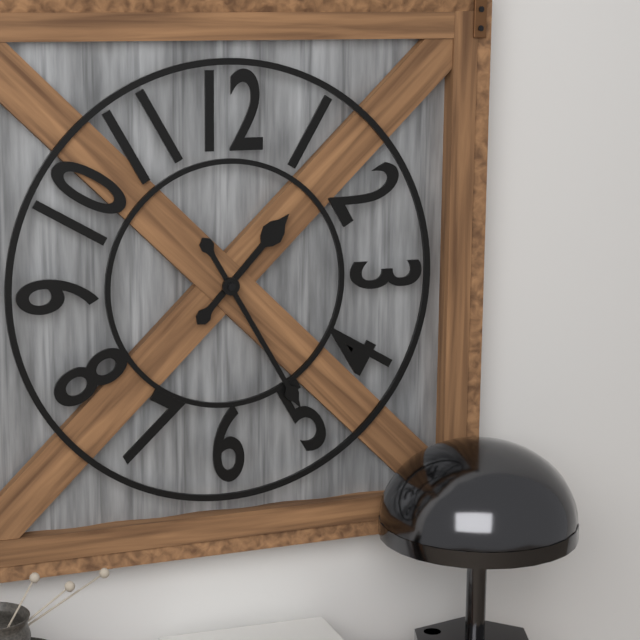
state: 1:25
